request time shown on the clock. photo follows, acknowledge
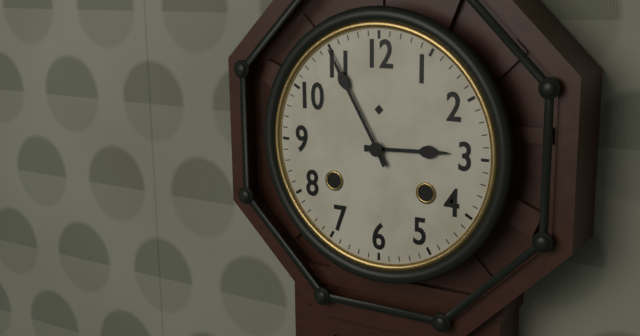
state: 2:55
